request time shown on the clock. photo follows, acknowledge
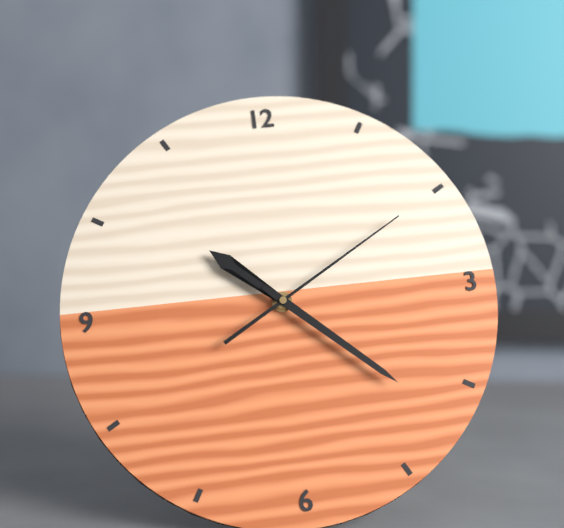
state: 10:22:10
